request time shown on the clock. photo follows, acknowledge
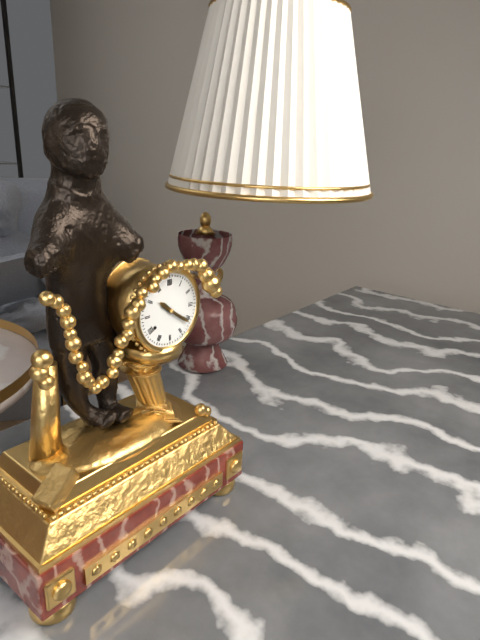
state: 10:21
